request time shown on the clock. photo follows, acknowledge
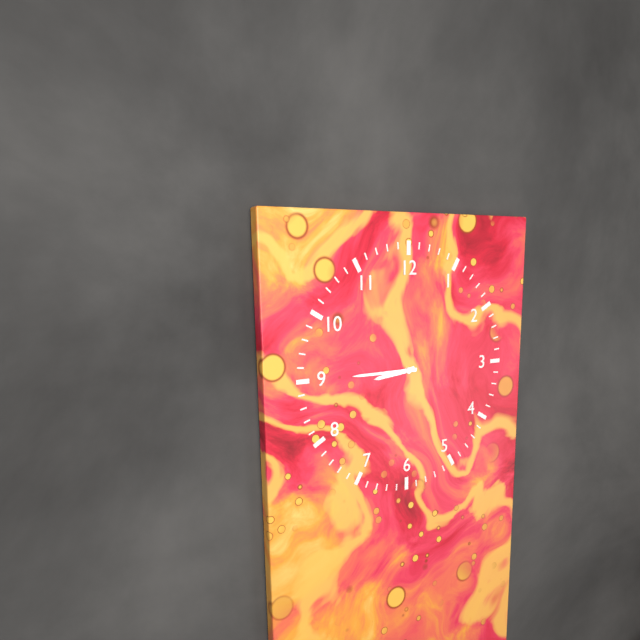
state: 8:45
